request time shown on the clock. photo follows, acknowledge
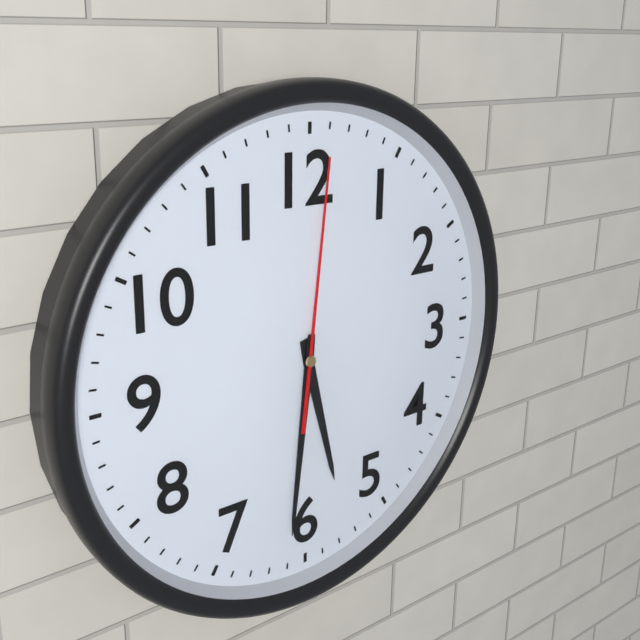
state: 5:31:01
